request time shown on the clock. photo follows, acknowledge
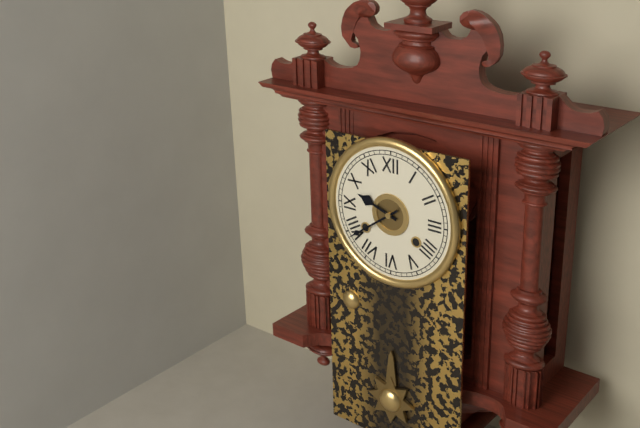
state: 9:39
